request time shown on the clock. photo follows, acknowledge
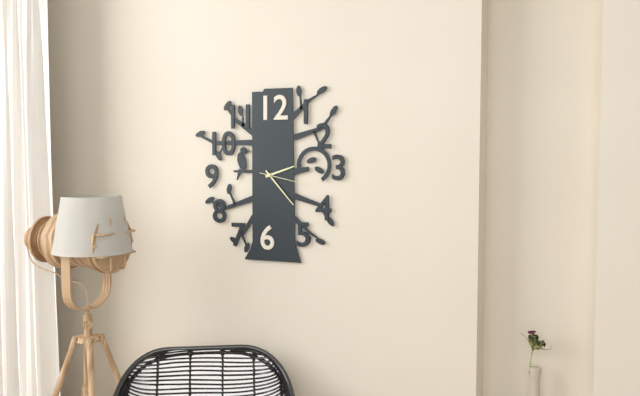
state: 2:23
